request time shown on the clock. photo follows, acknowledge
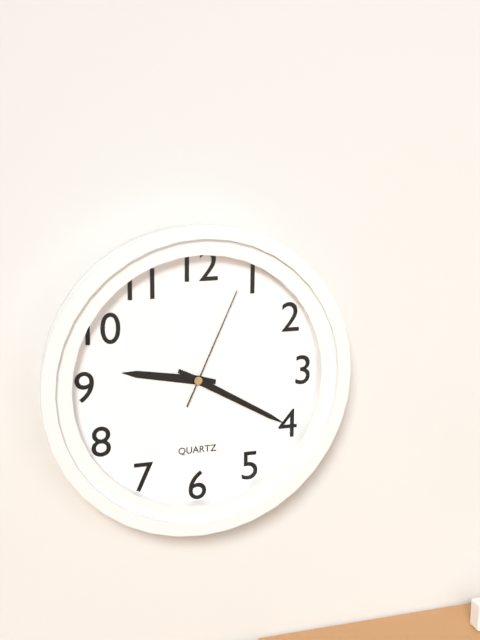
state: 9:20:04
